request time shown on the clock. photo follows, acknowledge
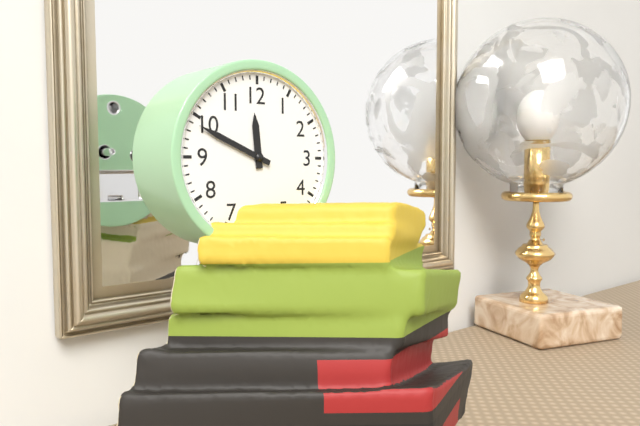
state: 11:49
